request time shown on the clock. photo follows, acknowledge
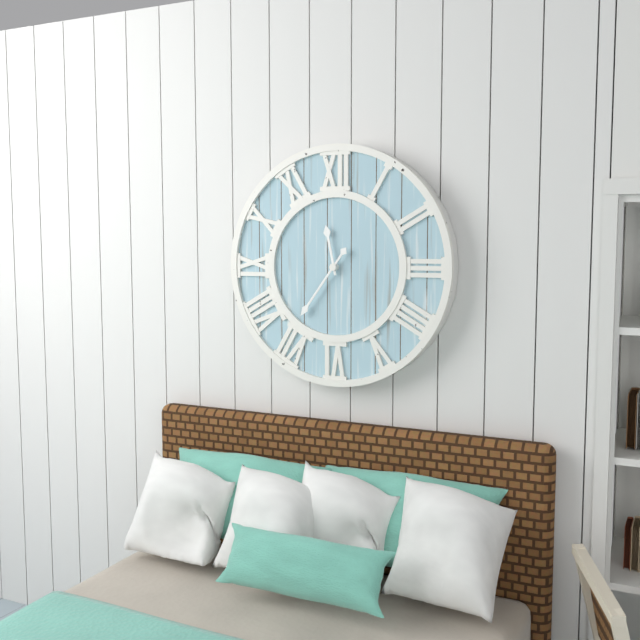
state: 11:36
